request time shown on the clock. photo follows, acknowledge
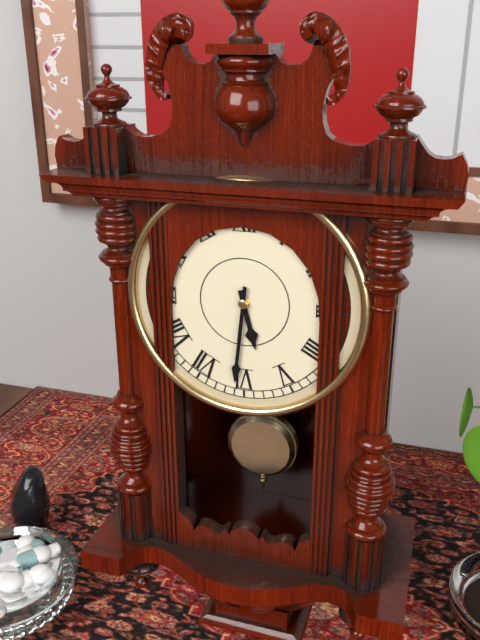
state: 5:31
